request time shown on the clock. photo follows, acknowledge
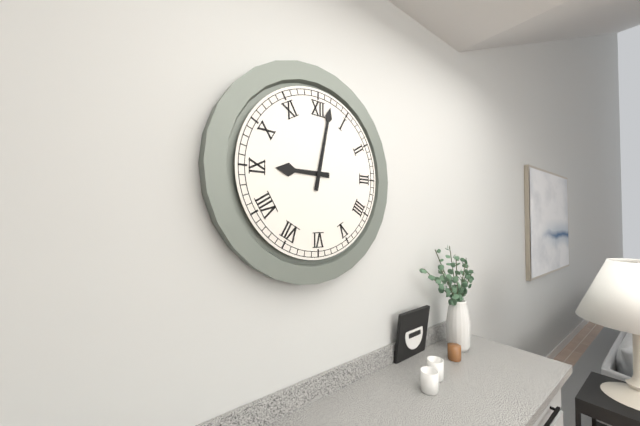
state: 9:02
